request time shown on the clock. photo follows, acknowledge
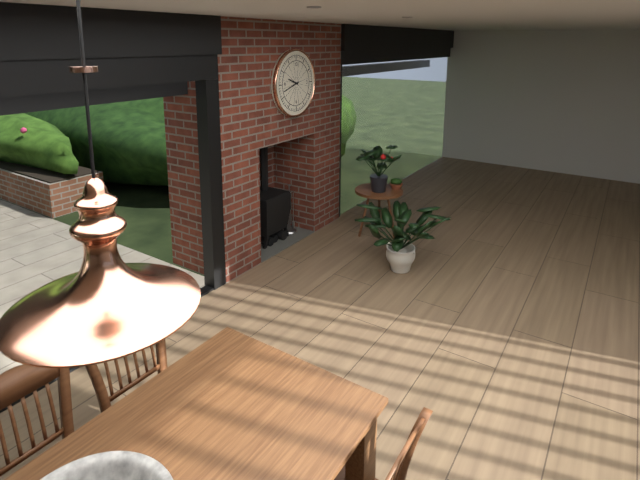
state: 9:42
